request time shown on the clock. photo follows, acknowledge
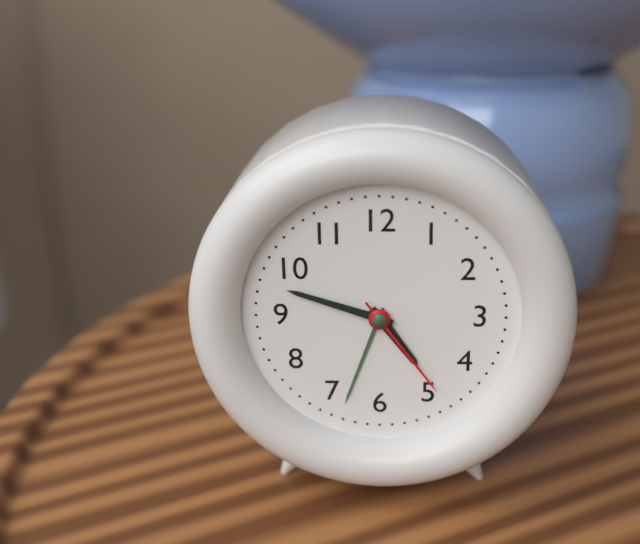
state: 4:48:24
